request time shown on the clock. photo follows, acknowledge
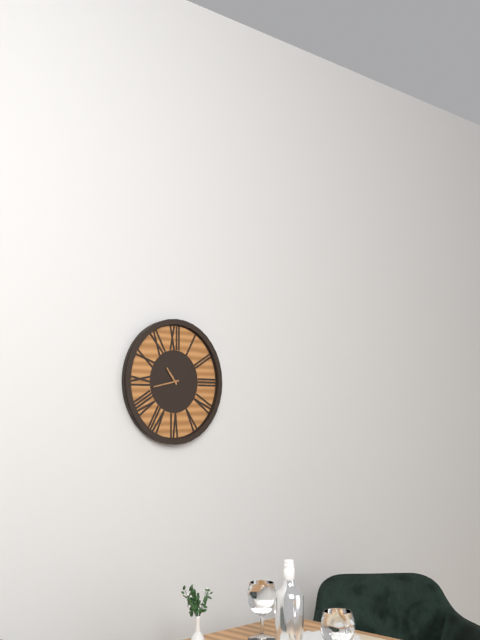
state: 10:43
